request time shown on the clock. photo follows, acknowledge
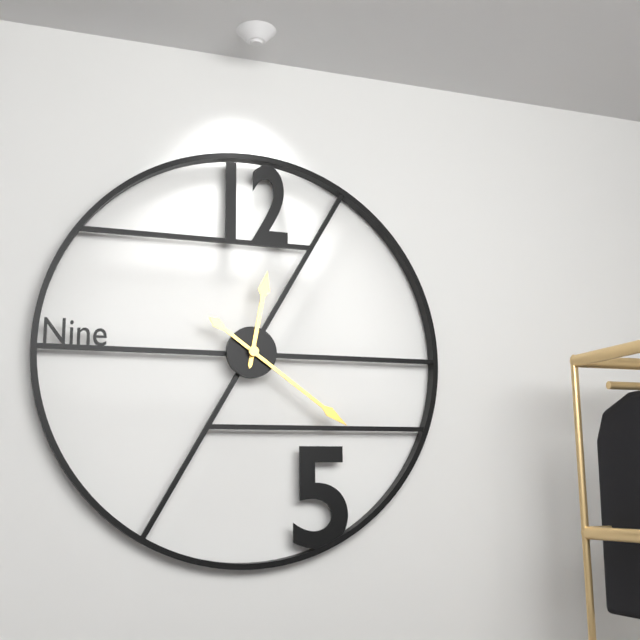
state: 12:21
